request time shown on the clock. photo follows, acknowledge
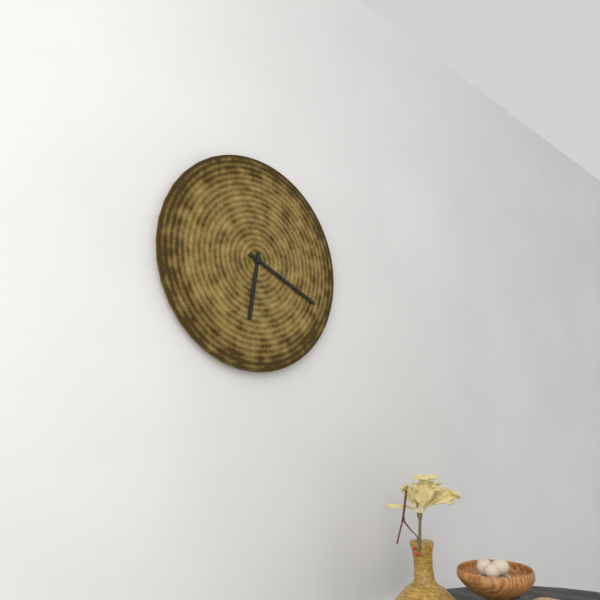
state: 6:19
